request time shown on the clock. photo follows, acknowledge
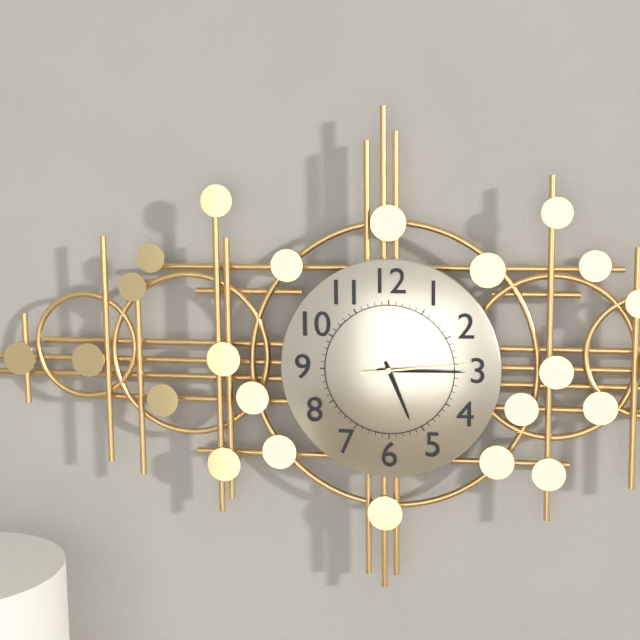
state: 5:15:14
